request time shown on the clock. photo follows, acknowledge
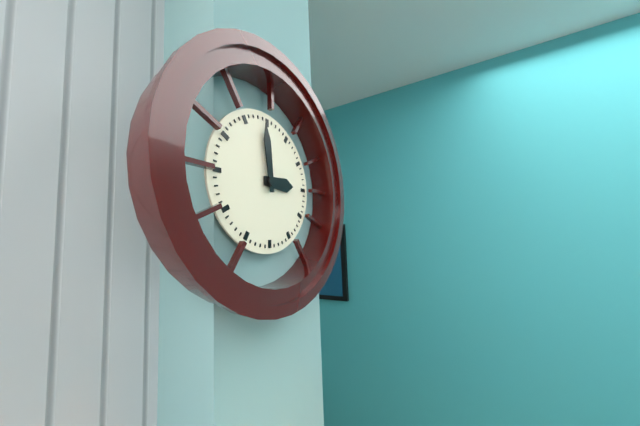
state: 2:59
